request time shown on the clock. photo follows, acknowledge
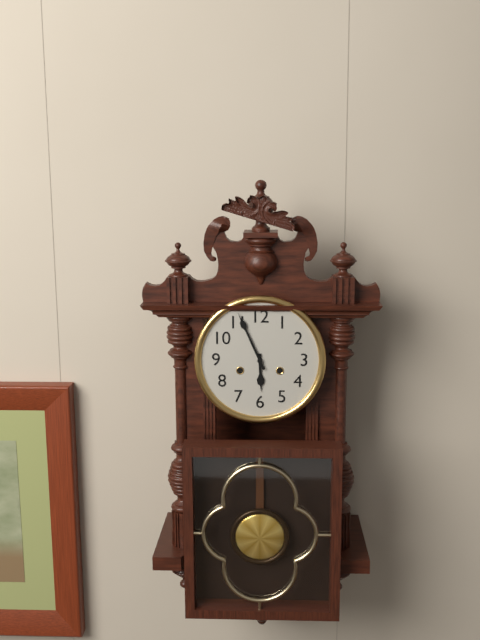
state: 5:56
